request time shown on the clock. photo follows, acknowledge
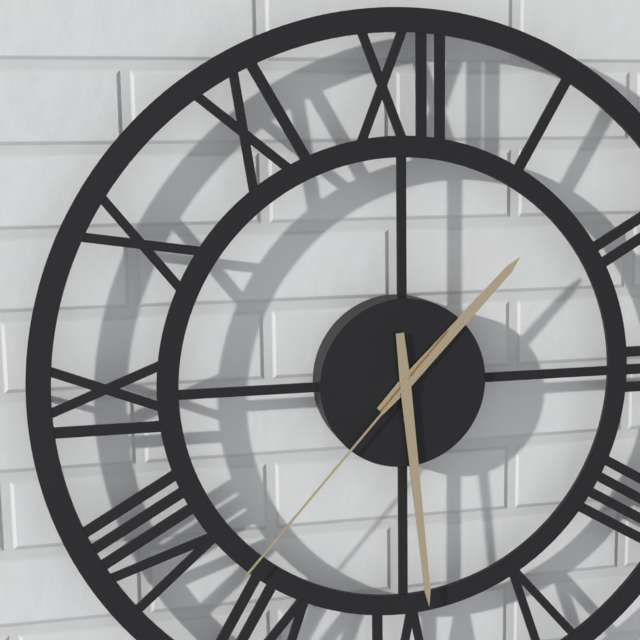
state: 1:29:37
